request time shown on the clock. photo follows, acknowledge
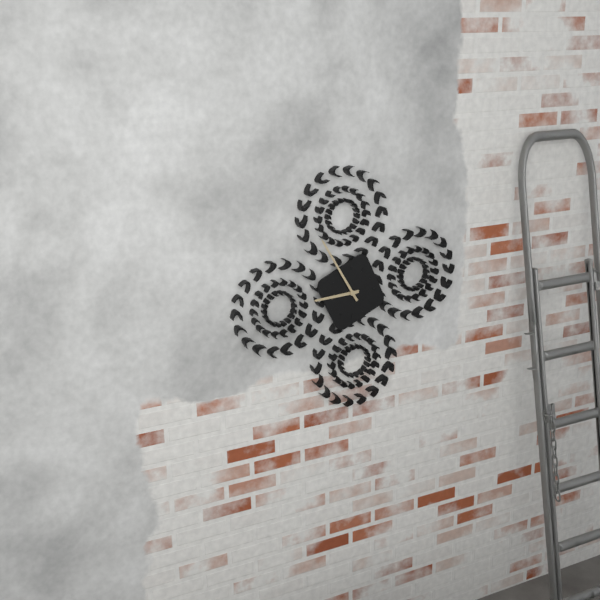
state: 8:55
